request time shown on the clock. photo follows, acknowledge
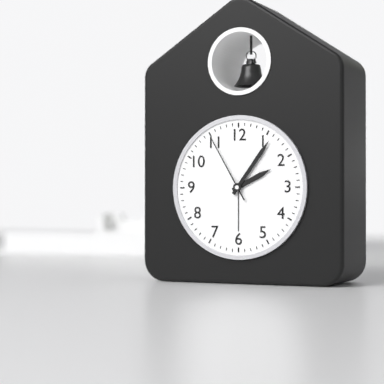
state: 2:06:55
